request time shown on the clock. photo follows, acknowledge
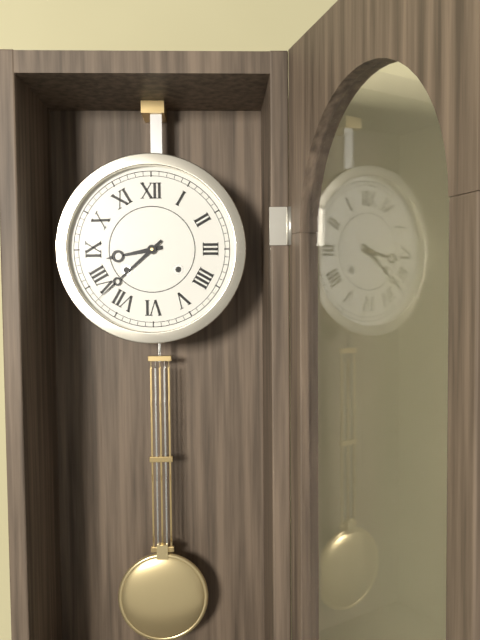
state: 8:38
